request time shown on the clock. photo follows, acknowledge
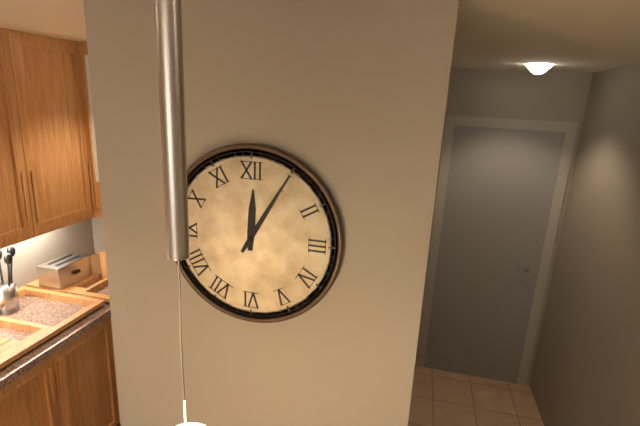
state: 12:05
